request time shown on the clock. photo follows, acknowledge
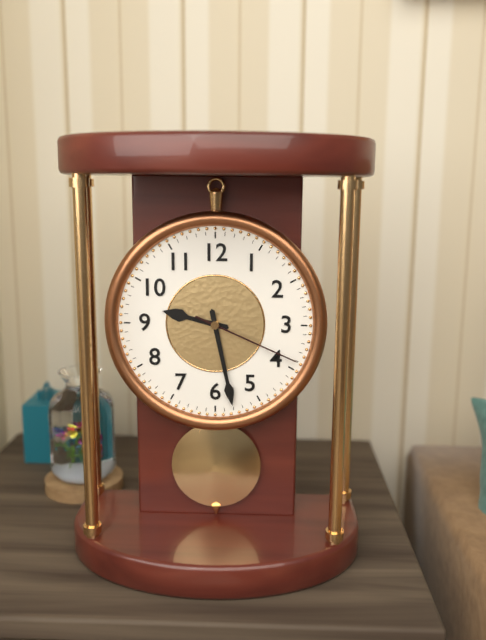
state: 9:28:19
